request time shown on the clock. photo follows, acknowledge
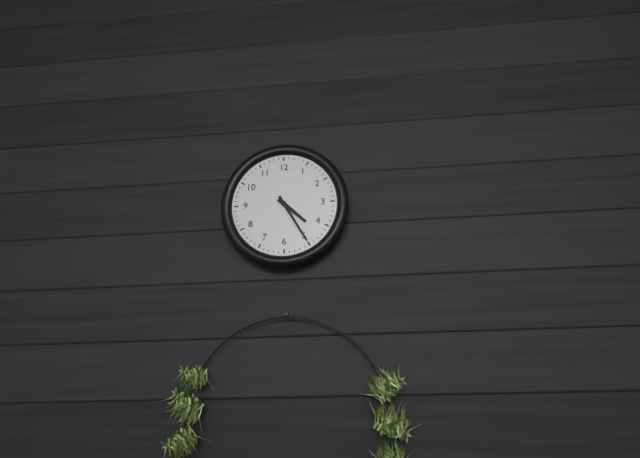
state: 4:25
